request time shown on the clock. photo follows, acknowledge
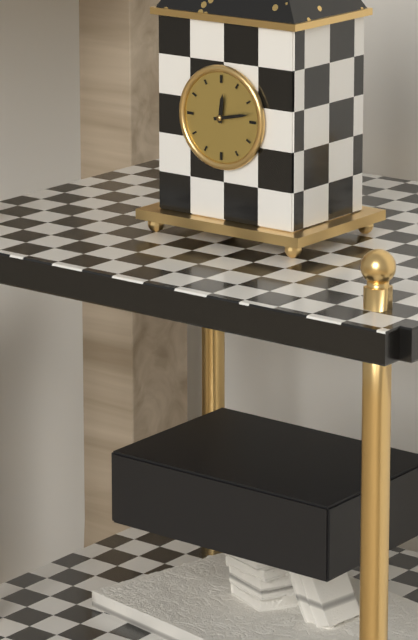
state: 12:13
